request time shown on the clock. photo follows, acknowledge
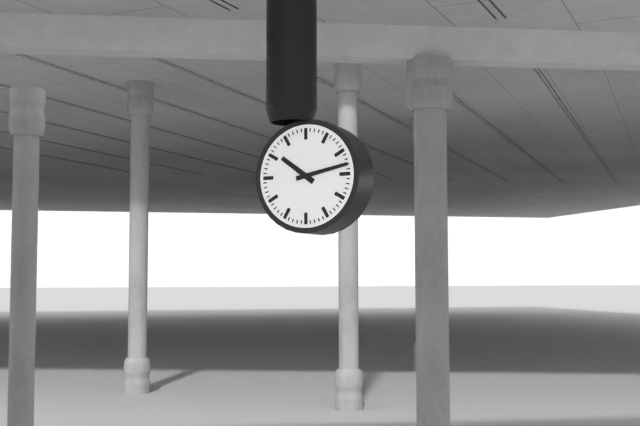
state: 10:13
